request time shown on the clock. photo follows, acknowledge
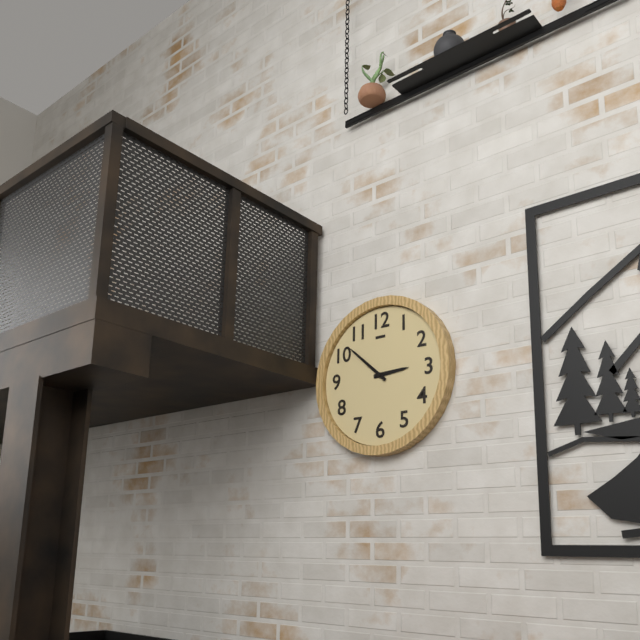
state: 2:52
